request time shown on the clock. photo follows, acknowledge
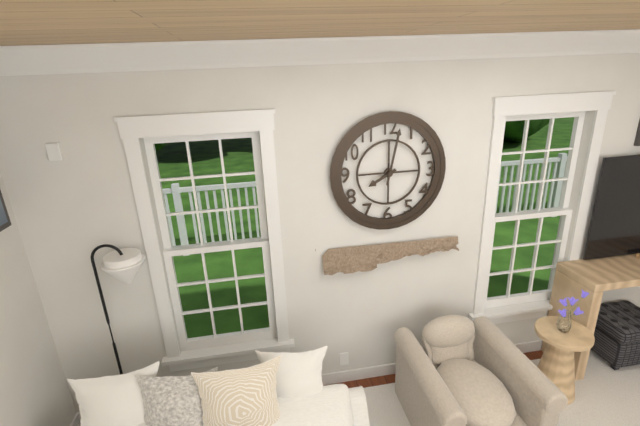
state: 8:02
